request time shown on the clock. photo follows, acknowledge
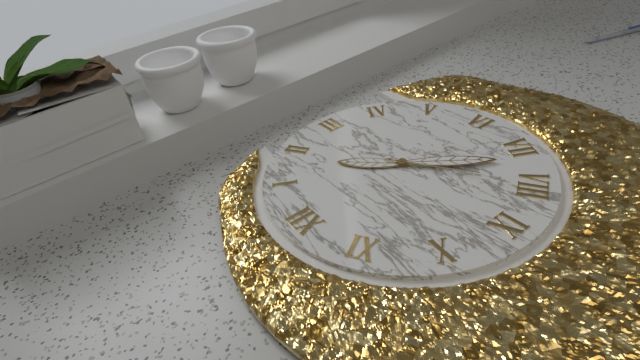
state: 1:37:40
